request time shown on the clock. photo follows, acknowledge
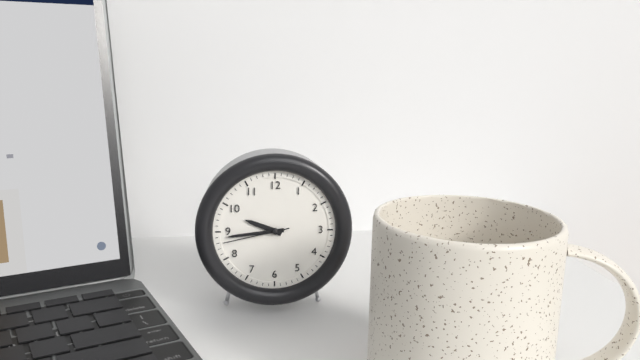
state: 9:44:43
